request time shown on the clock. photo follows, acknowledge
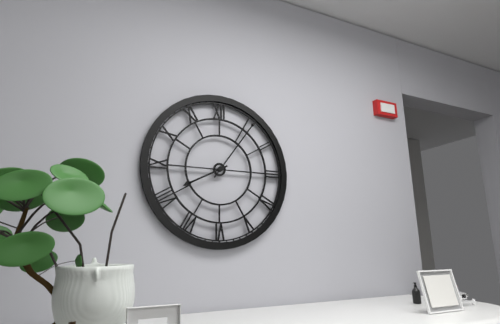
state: 8:06
